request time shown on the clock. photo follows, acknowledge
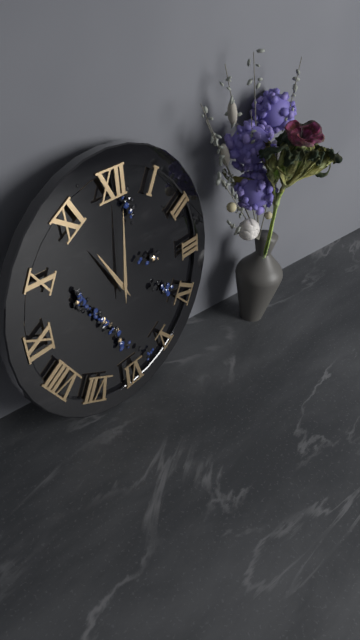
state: 11:01
